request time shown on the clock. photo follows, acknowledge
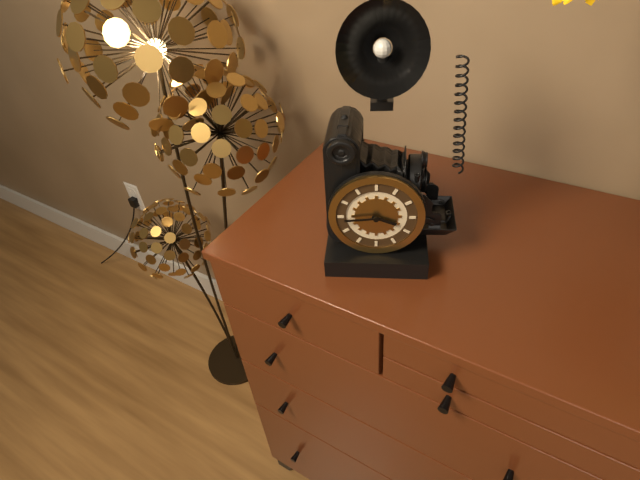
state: 3:44
